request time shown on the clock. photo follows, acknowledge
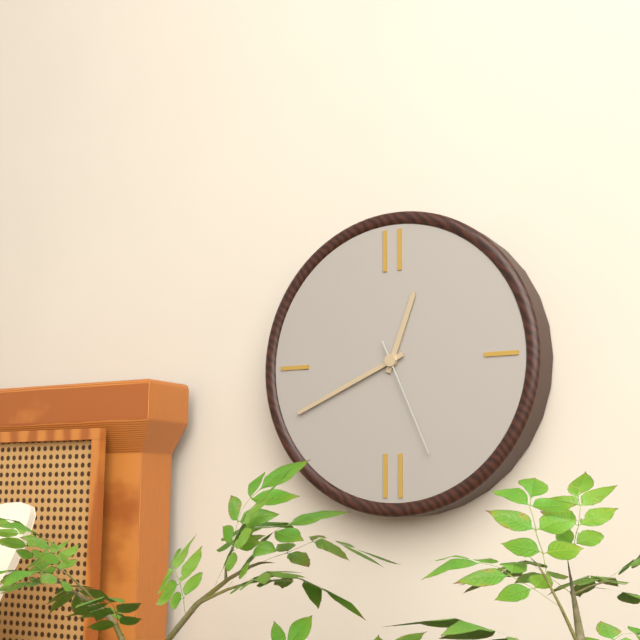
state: 12:41:26
